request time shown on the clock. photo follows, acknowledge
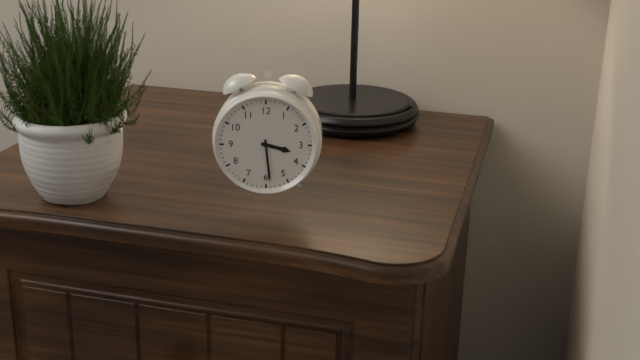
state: 3:29
